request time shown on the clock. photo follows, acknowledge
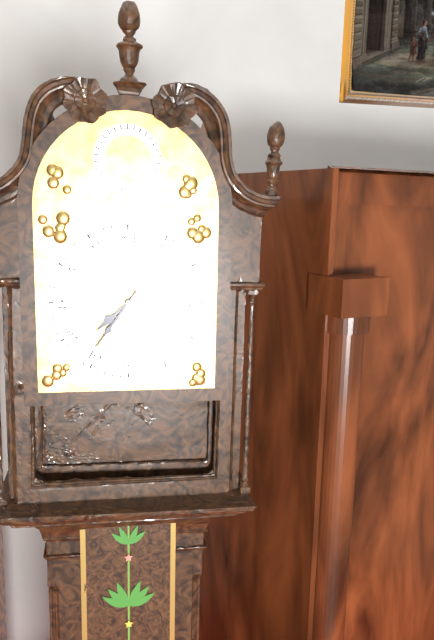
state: 7:36
